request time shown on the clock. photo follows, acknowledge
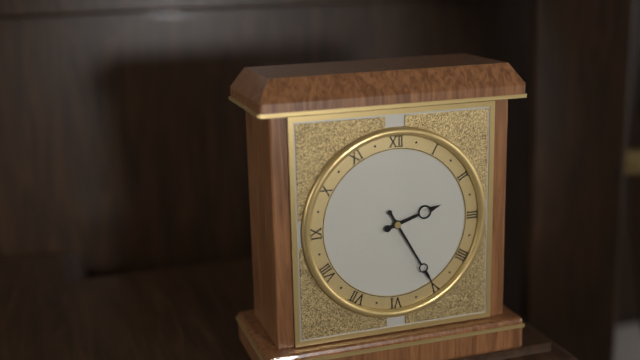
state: 2:25
